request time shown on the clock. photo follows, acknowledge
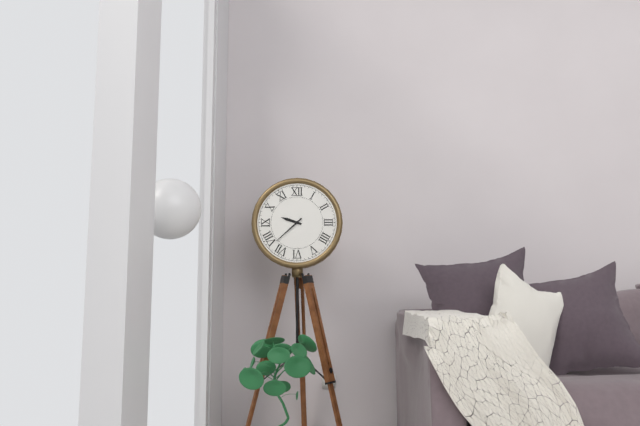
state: 9:38
